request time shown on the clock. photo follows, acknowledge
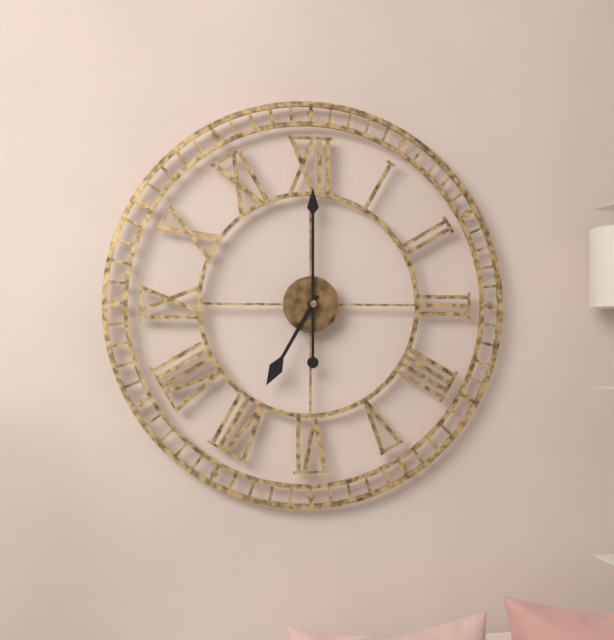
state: 7:00
